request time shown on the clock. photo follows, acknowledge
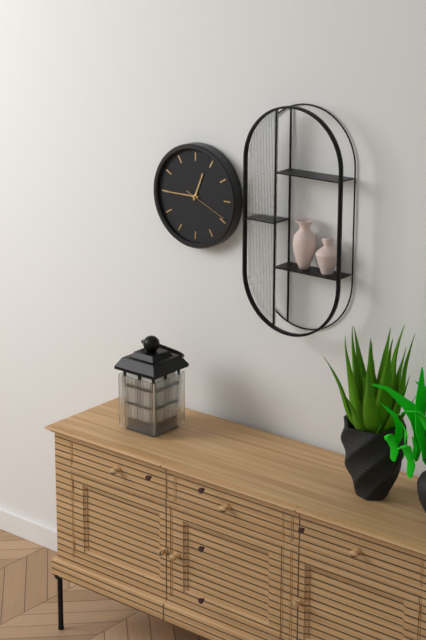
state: 12:45
